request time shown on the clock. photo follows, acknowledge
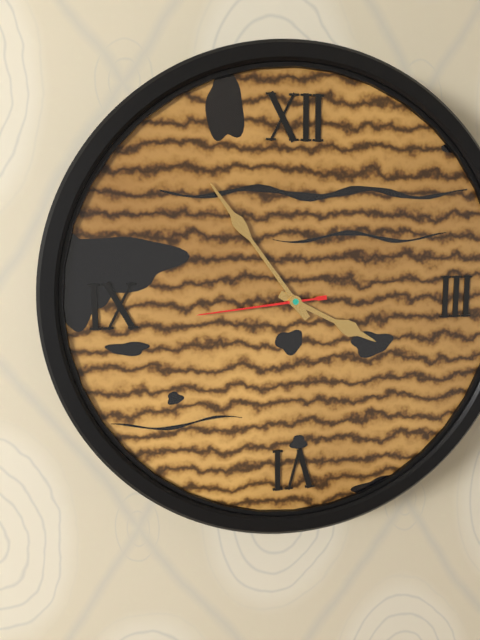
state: 3:54:44
